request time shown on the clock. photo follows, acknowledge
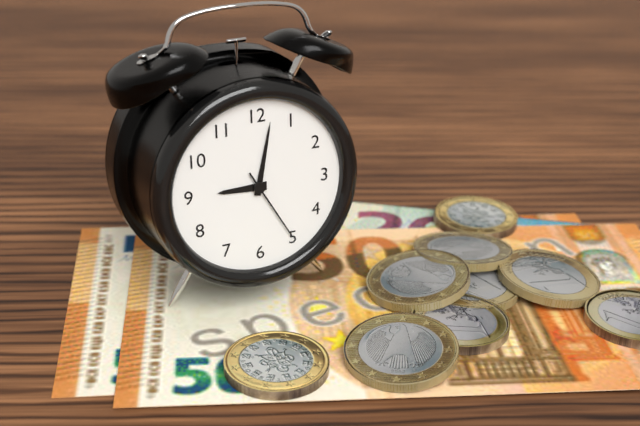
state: 9:02:25
